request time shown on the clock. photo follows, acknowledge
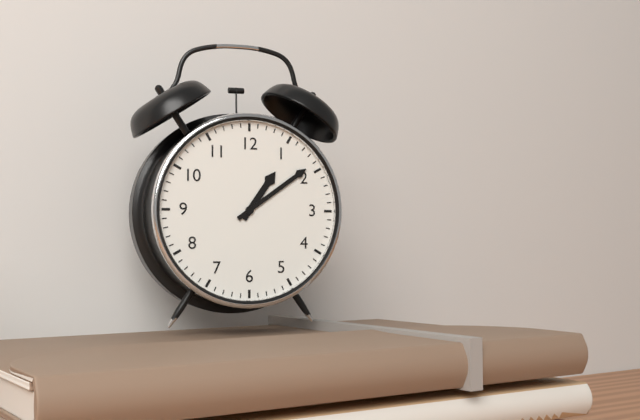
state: 1:09
